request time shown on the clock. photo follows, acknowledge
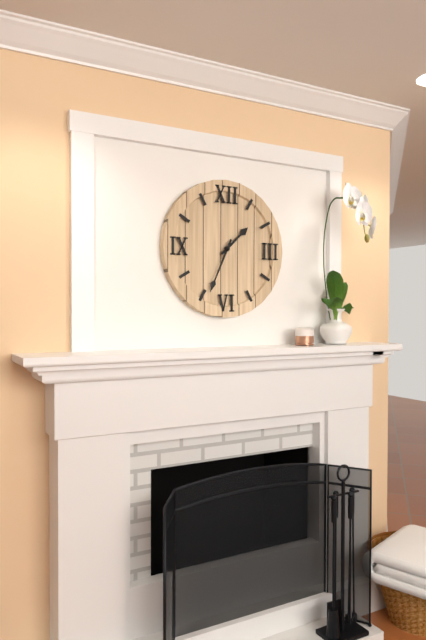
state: 1:34
